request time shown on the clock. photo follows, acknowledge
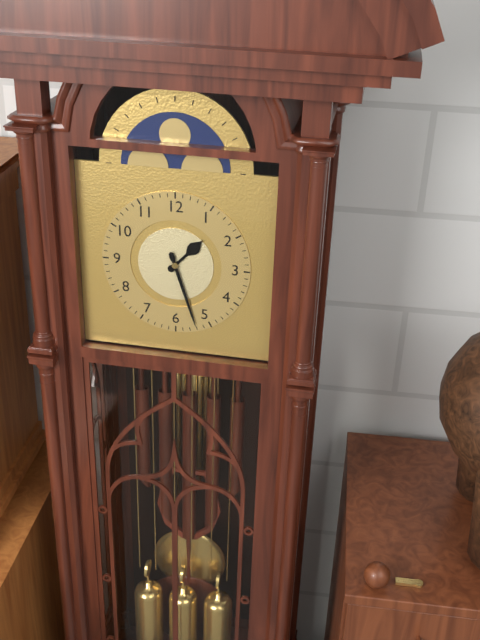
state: 1:27
